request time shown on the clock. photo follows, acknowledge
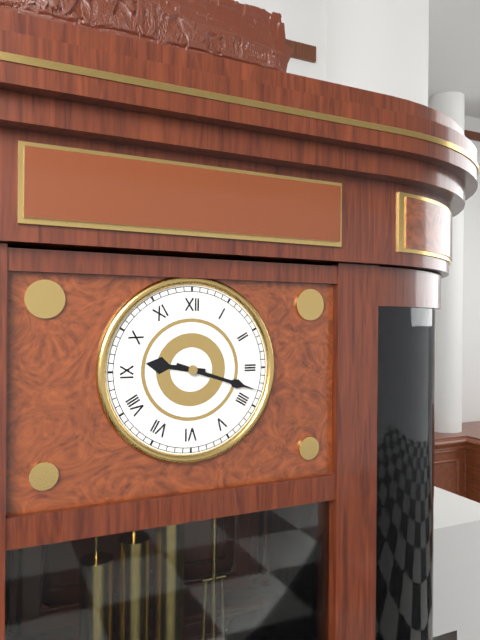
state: 9:18
